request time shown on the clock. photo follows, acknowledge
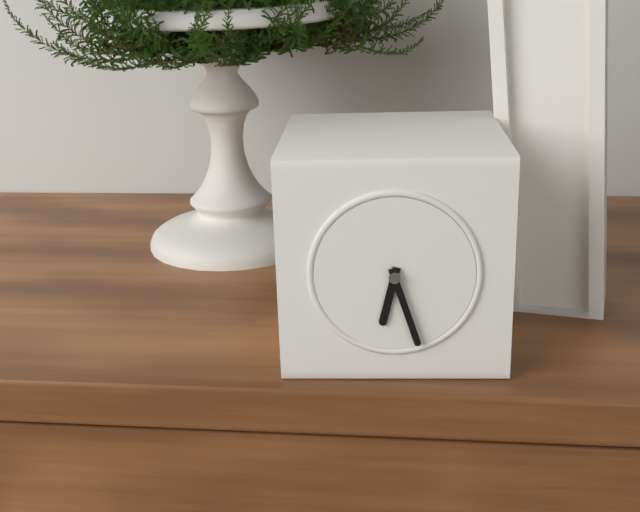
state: 6:27
